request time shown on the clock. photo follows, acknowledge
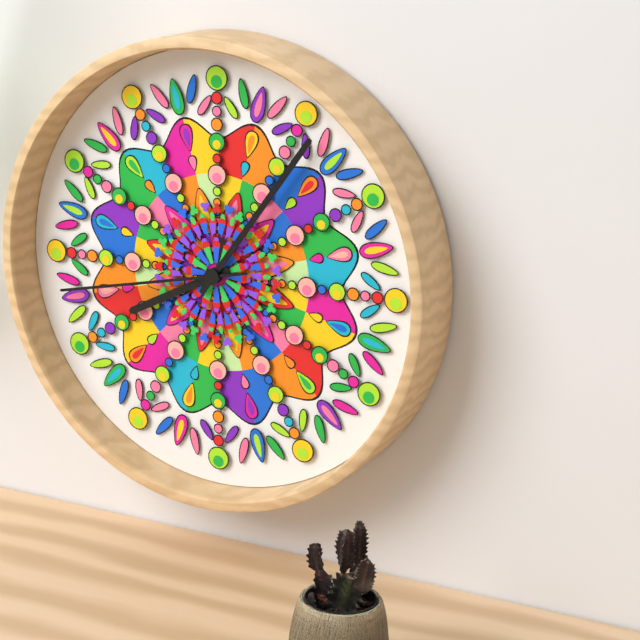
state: 8:06:43
